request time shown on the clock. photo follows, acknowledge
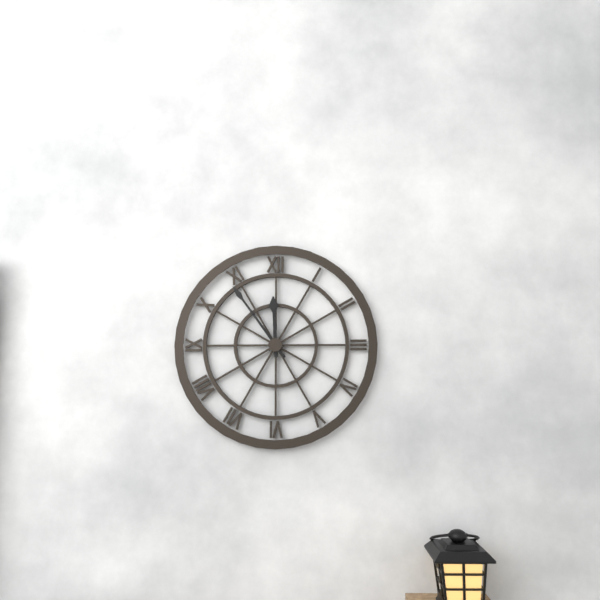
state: 11:54
